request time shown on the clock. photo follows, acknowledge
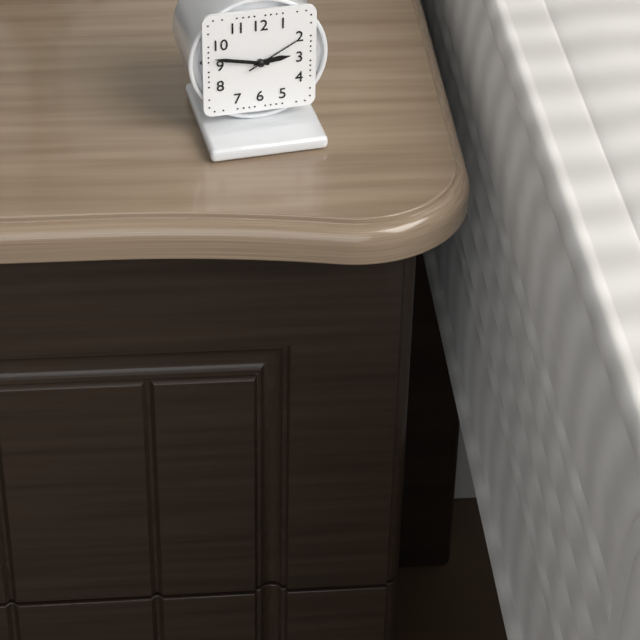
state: 2:47:10
